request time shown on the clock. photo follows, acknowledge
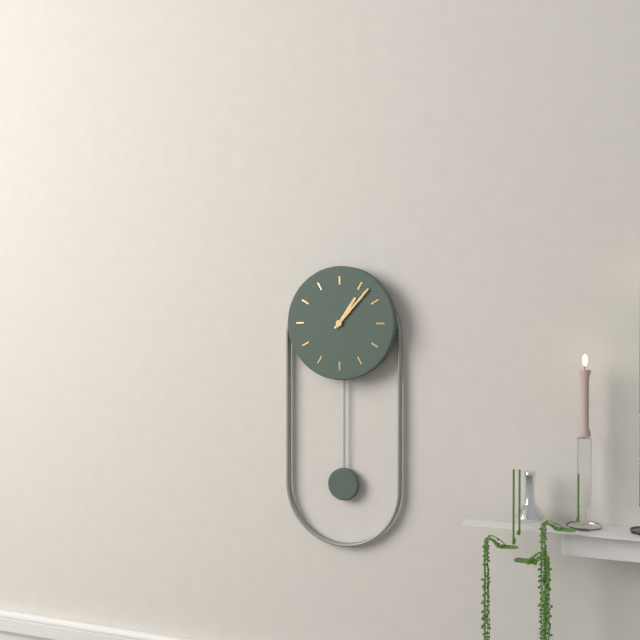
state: 1:07
